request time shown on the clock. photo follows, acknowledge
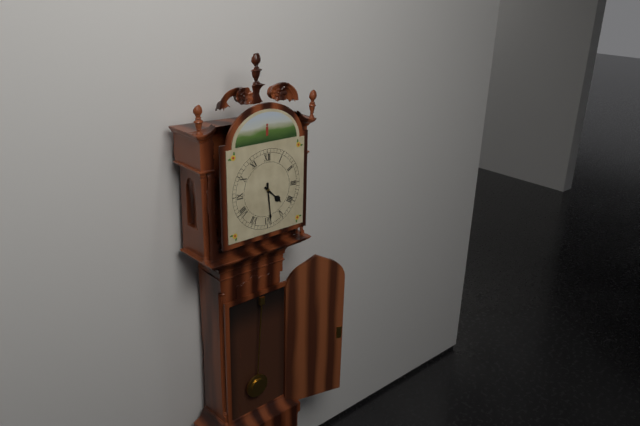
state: 4:29
